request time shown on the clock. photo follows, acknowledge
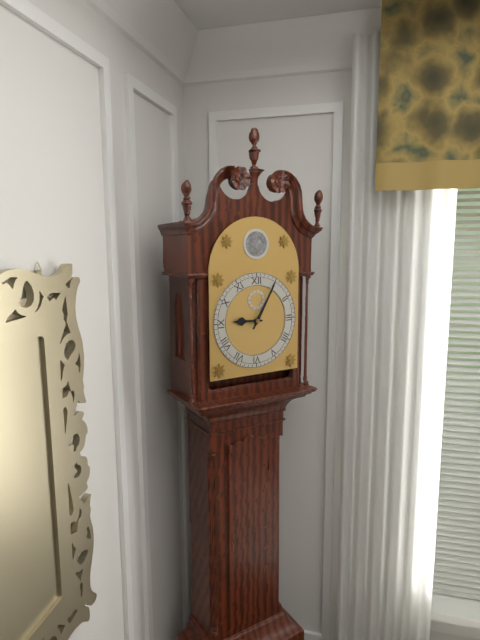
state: 9:05
